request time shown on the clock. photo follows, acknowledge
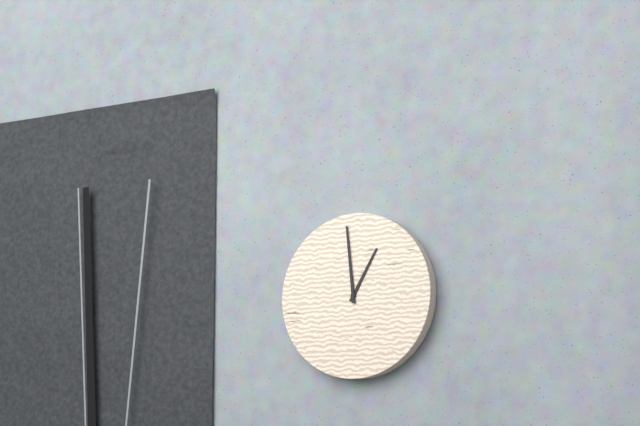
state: 12:59
